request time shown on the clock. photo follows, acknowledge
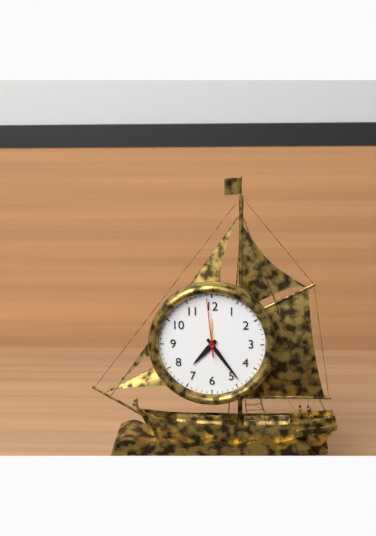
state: 7:24:59
